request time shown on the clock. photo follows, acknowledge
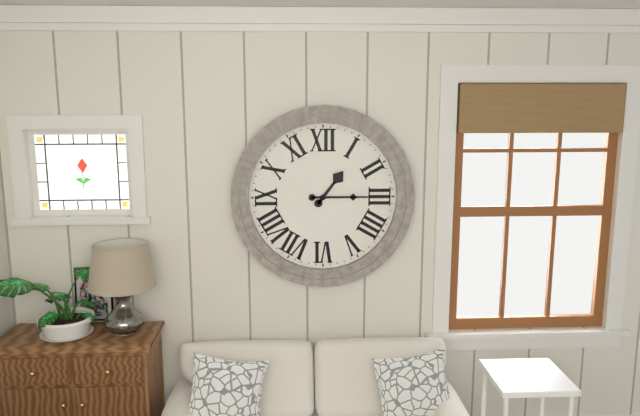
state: 1:15
